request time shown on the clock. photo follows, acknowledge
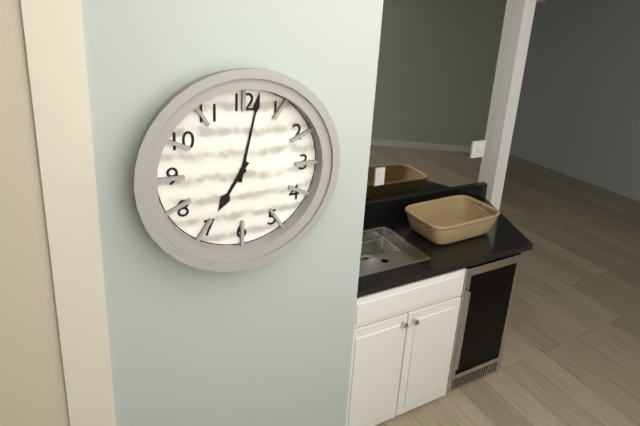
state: 7:02
